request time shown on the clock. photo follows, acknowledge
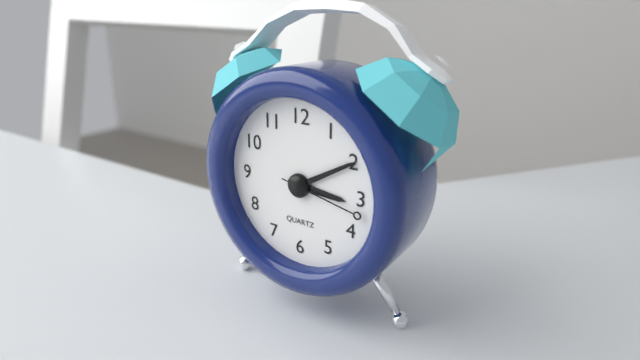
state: 3:10:17
